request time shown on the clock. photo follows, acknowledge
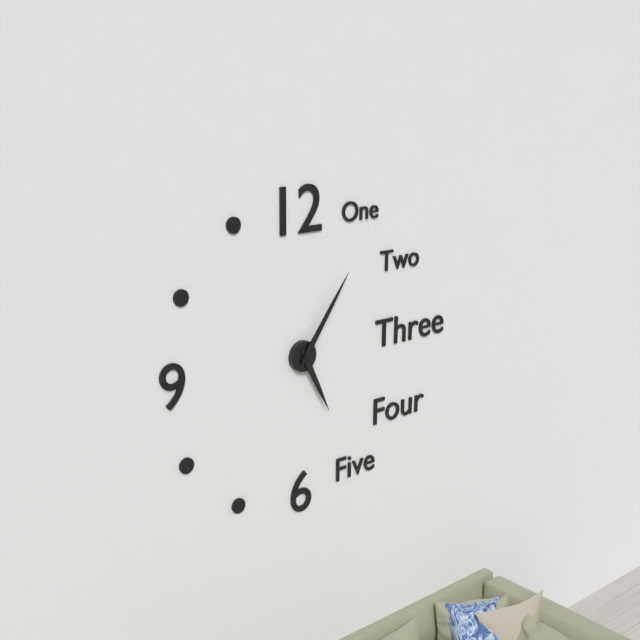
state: 5:06
